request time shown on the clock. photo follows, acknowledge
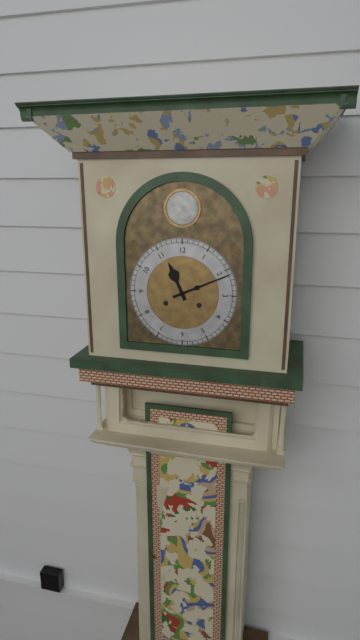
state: 11:11
